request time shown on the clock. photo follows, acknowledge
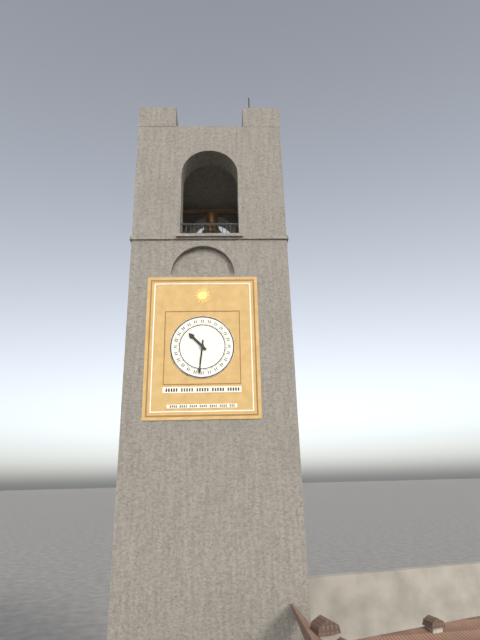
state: 10:31
